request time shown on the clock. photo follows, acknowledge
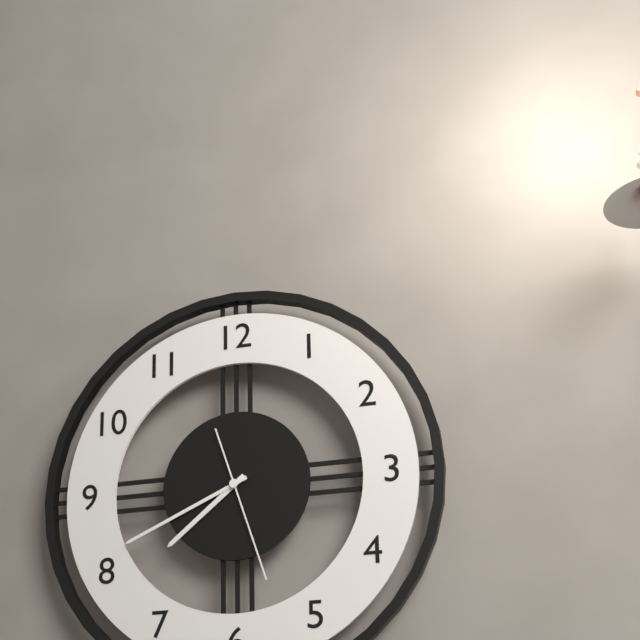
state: 7:41:27
